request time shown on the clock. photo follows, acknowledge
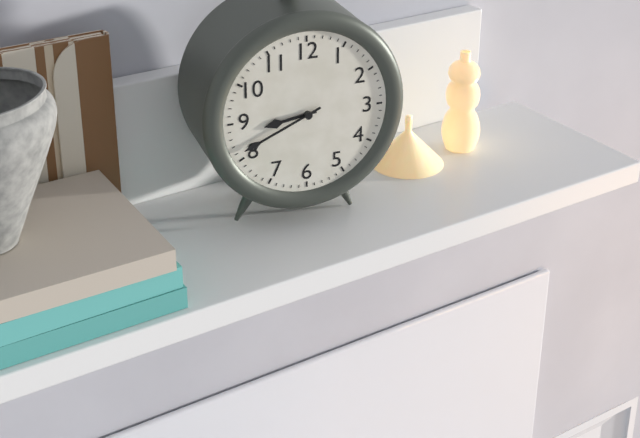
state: 8:41
